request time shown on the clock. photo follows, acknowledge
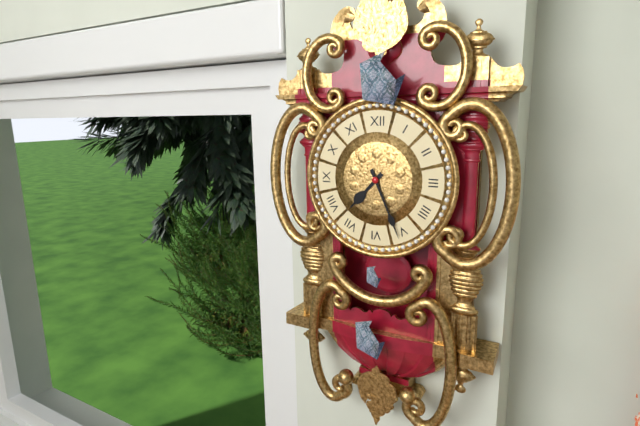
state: 7:26
